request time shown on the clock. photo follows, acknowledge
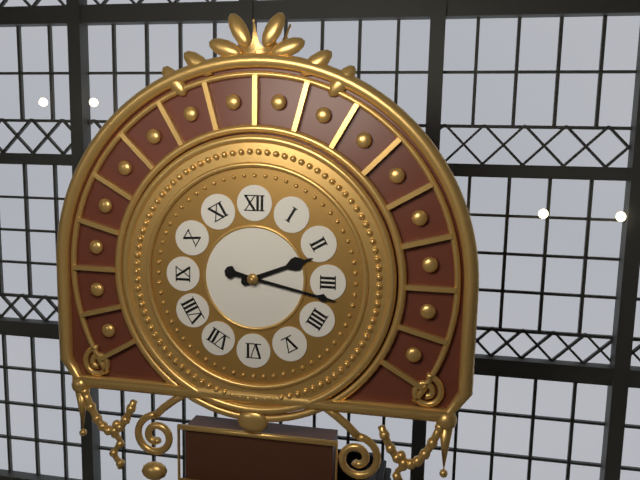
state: 2:17
